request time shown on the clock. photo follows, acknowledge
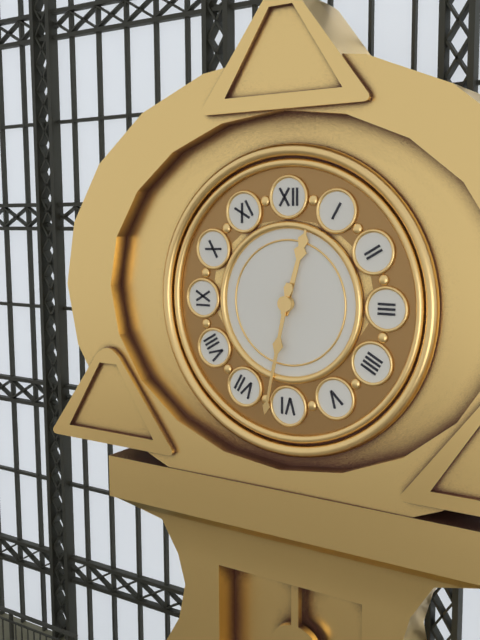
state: 12:32
